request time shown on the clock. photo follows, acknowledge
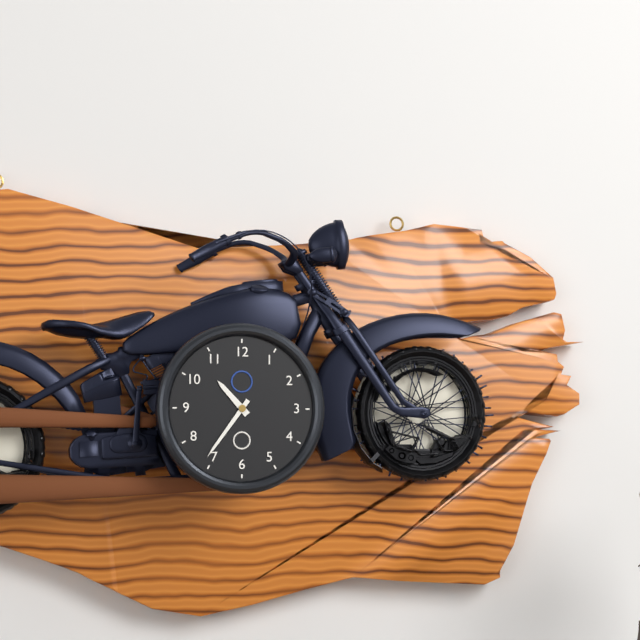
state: 10:36
